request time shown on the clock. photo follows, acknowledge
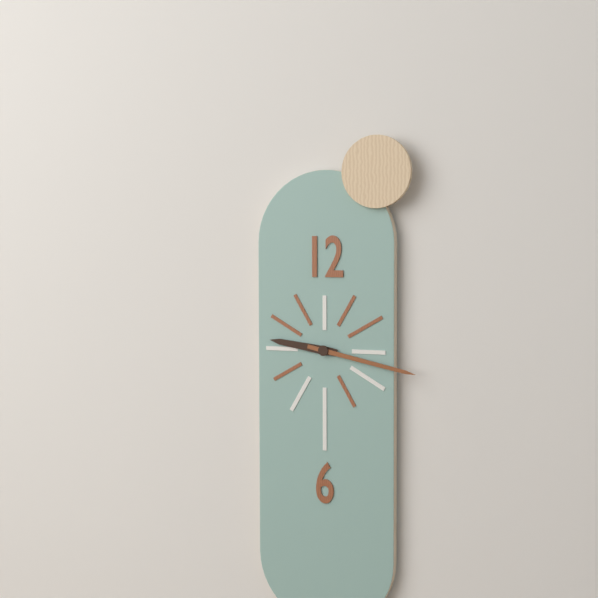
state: 9:17
